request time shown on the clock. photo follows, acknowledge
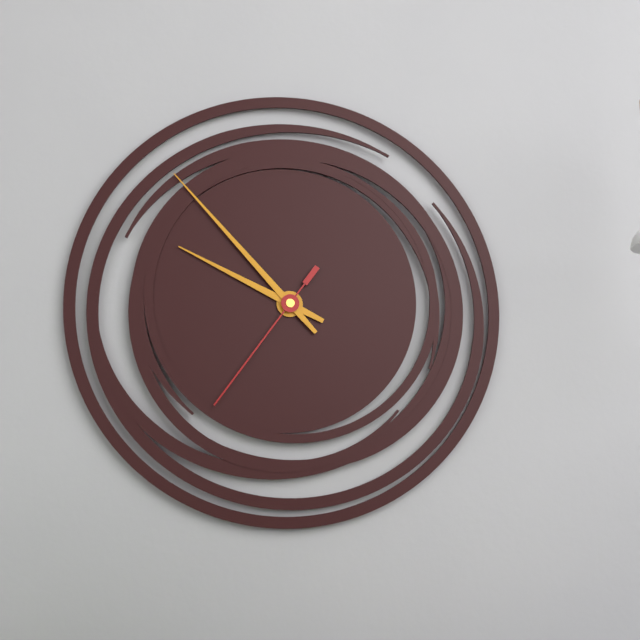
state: 9:53:36
